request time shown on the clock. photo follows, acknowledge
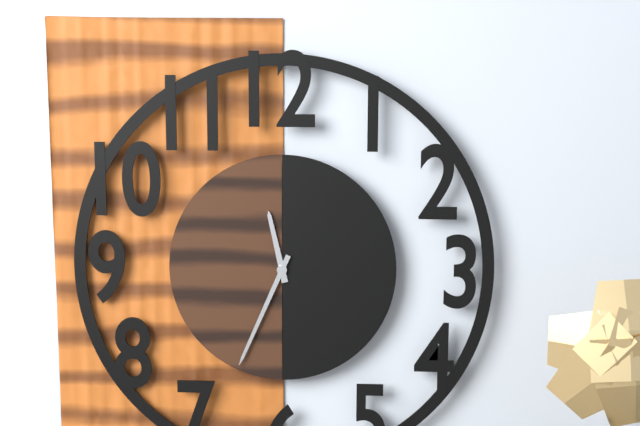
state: 11:34
